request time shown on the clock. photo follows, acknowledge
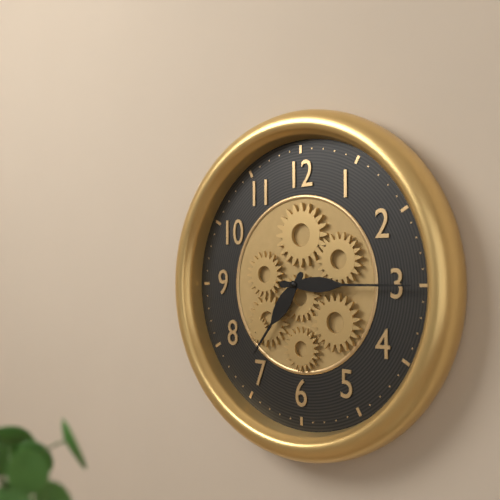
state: 7:15
